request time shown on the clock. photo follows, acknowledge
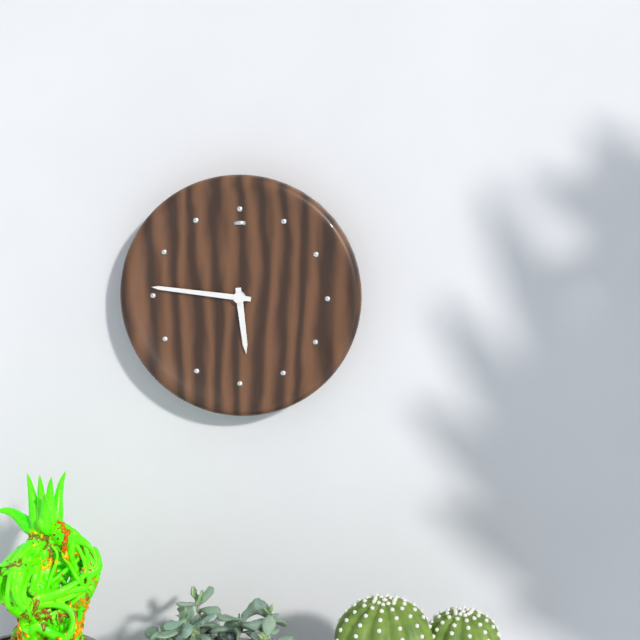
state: 5:46
